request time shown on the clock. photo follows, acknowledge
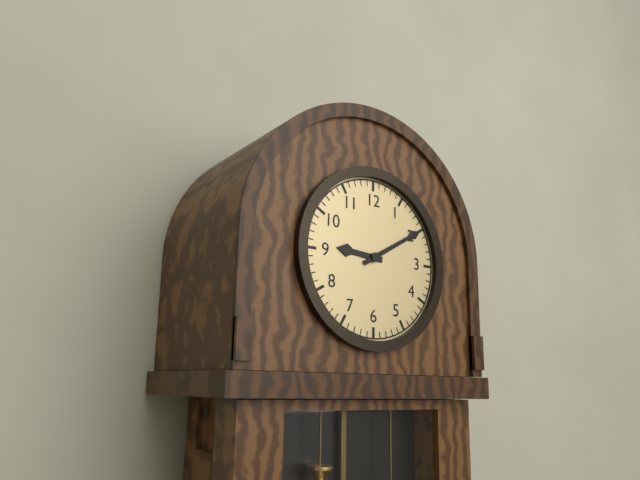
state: 9:10
